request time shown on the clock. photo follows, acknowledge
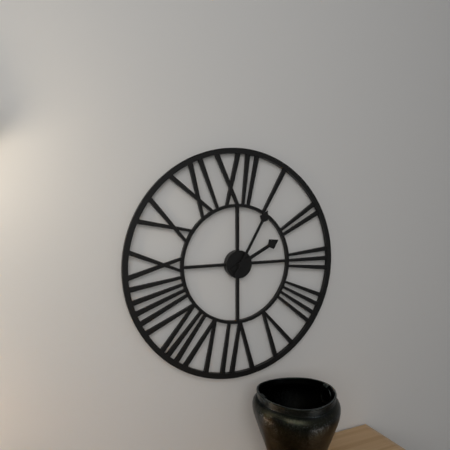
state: 2:05
